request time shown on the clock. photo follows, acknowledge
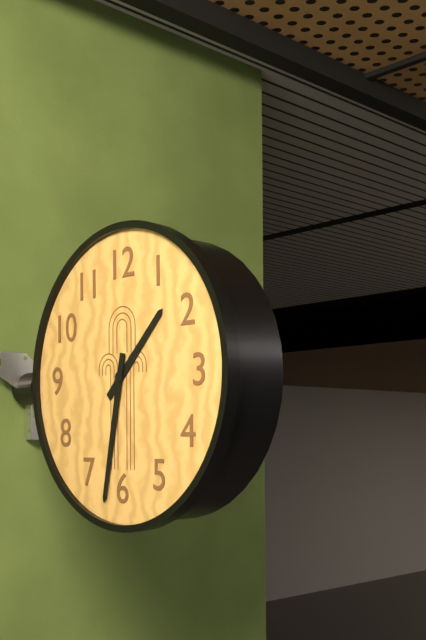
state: 1:32
